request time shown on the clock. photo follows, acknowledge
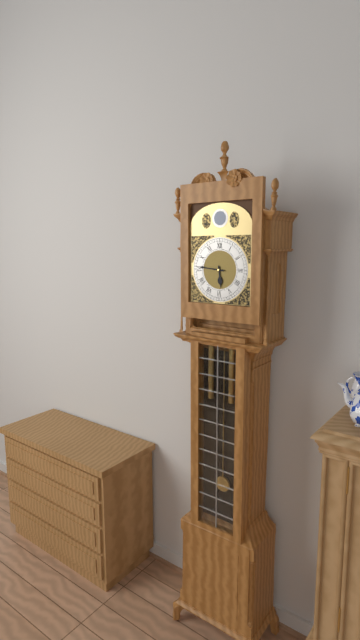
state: 5:46
